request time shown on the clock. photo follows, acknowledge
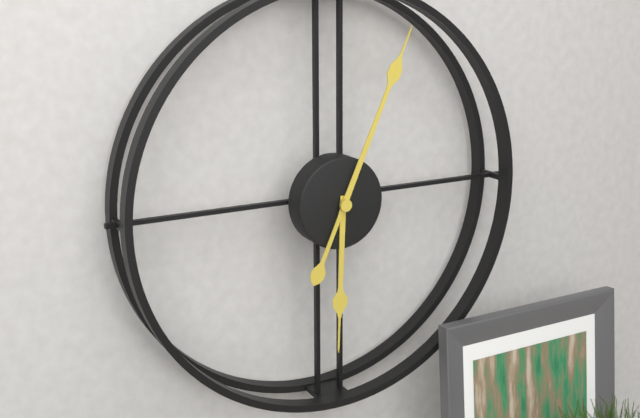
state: 6:04
